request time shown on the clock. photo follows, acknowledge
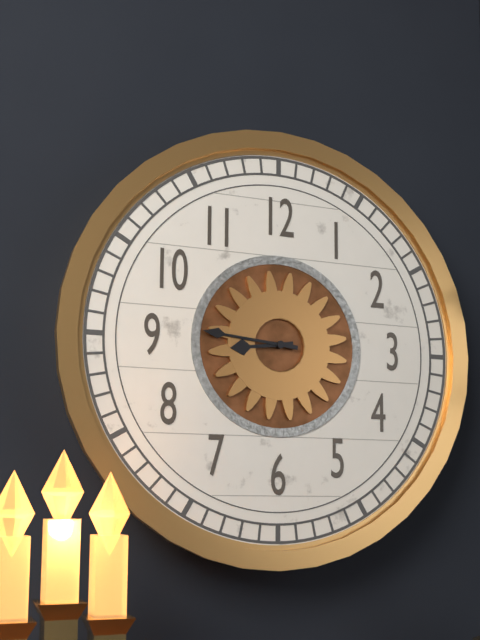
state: 8:46
